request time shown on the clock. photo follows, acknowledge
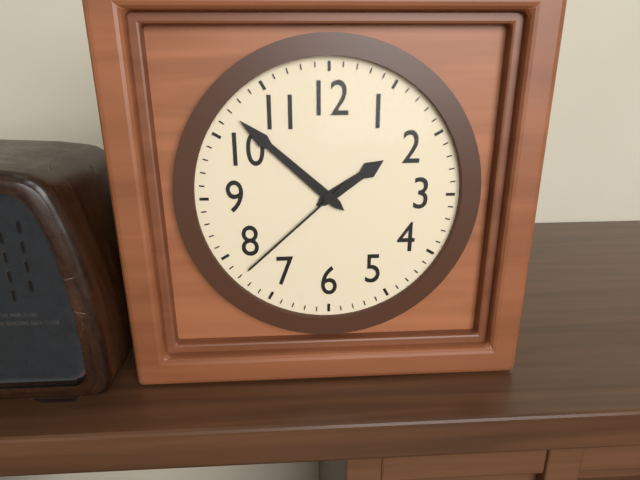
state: 1:52:38
